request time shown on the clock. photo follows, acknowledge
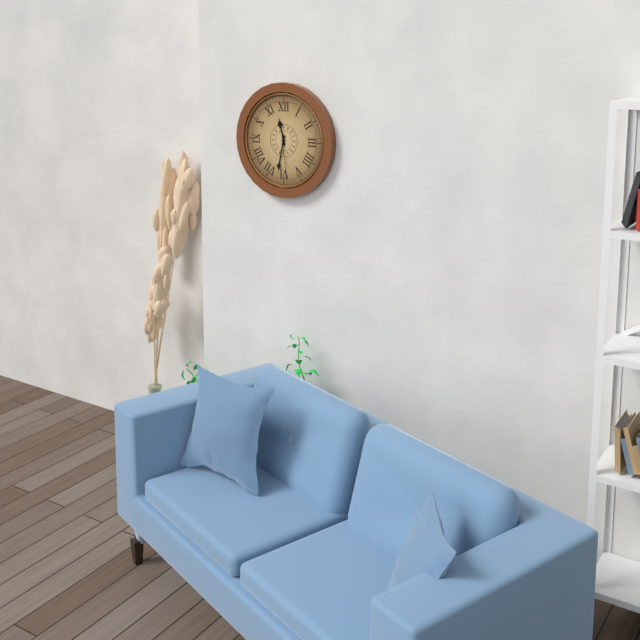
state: 11:32
